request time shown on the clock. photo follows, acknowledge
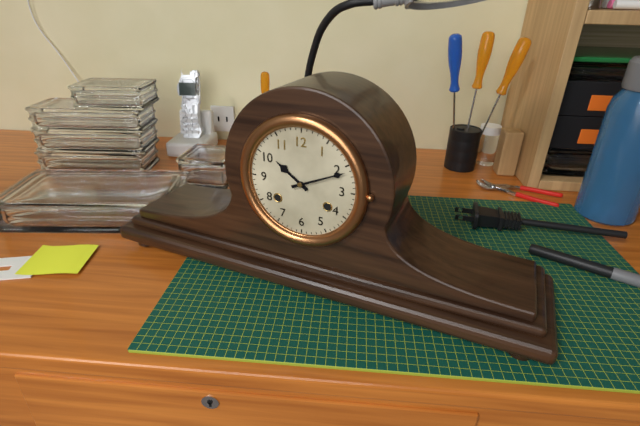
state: 10:11
